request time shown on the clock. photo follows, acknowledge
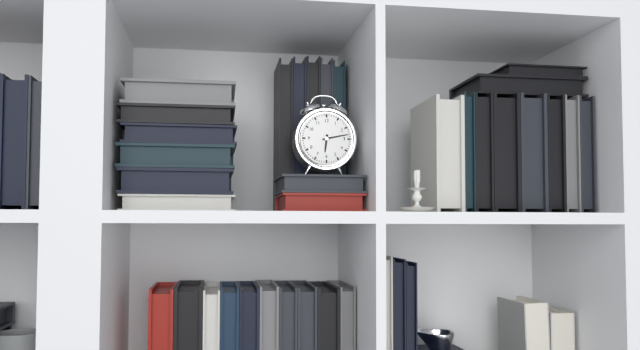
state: 6:13
